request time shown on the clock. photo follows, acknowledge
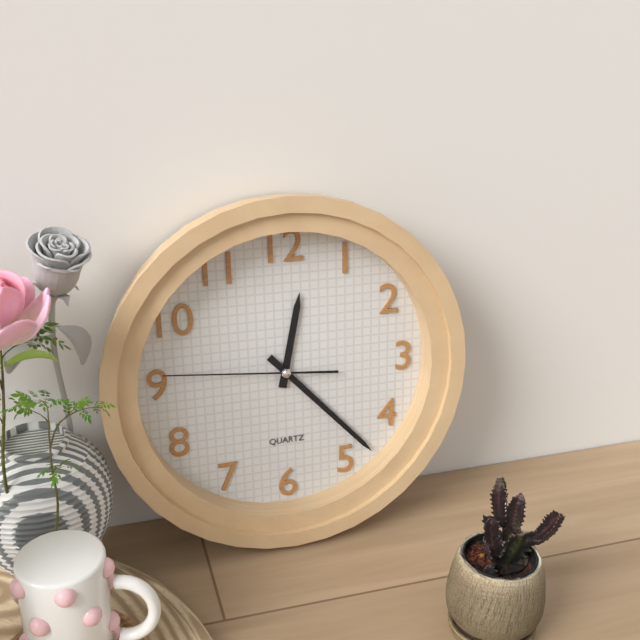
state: 12:23:46
